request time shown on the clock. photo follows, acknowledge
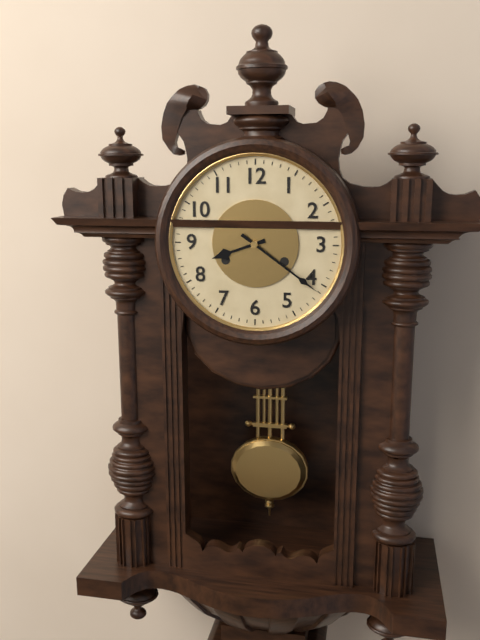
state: 8:21
